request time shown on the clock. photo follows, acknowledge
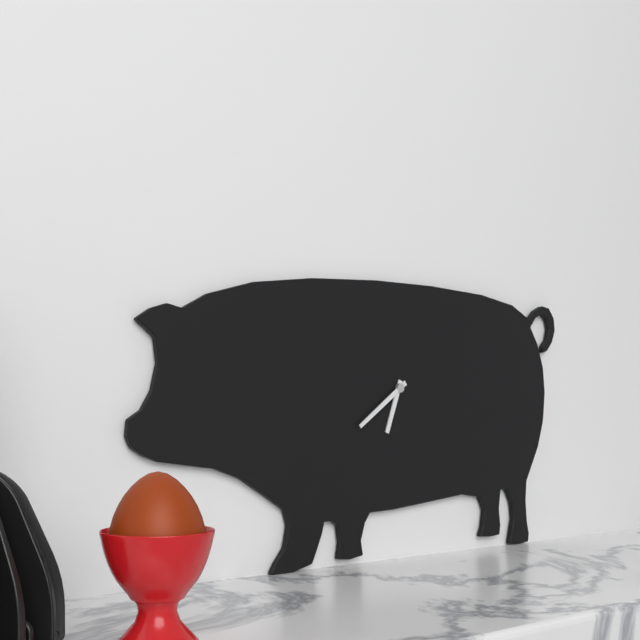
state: 6:39
